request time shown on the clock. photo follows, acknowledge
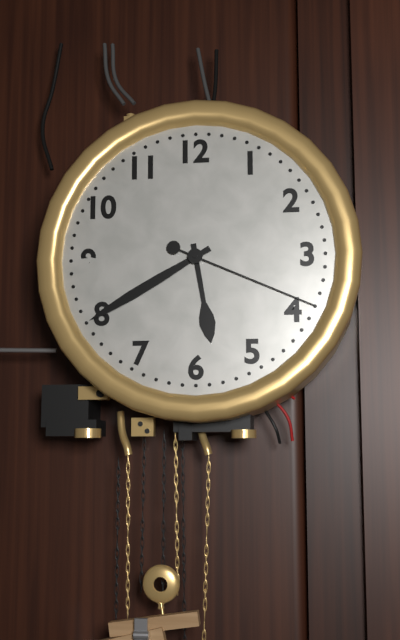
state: 5:40:19
